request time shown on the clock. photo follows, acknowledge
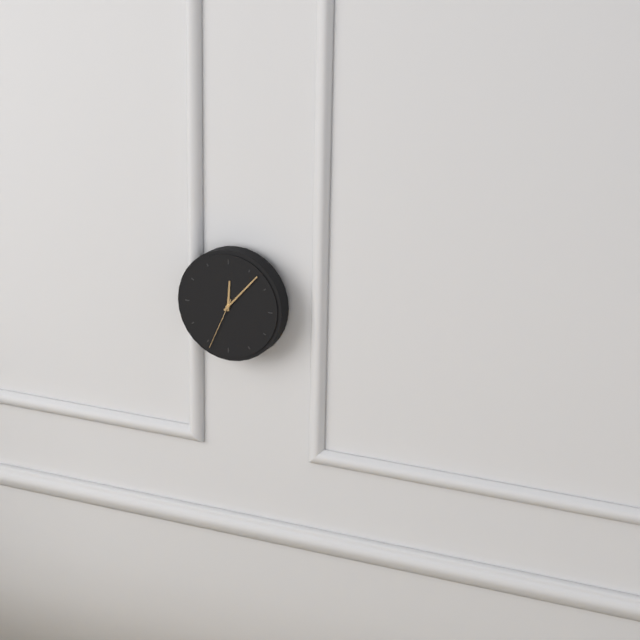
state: 12:07:34
